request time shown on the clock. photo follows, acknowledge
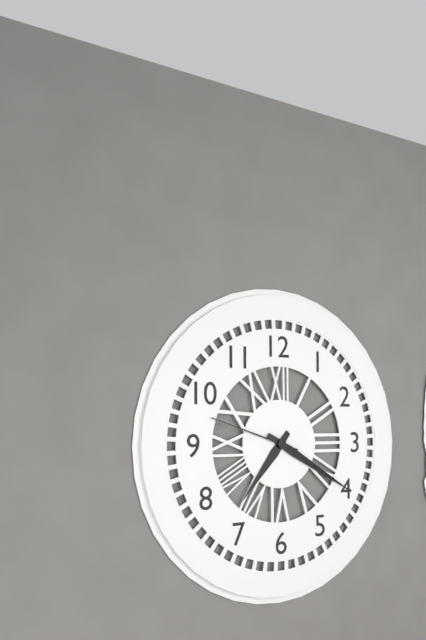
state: 7:20:48
